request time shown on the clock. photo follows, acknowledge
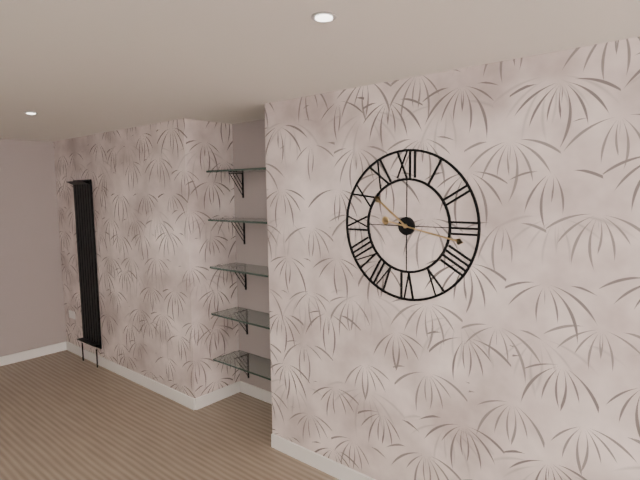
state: 10:17
